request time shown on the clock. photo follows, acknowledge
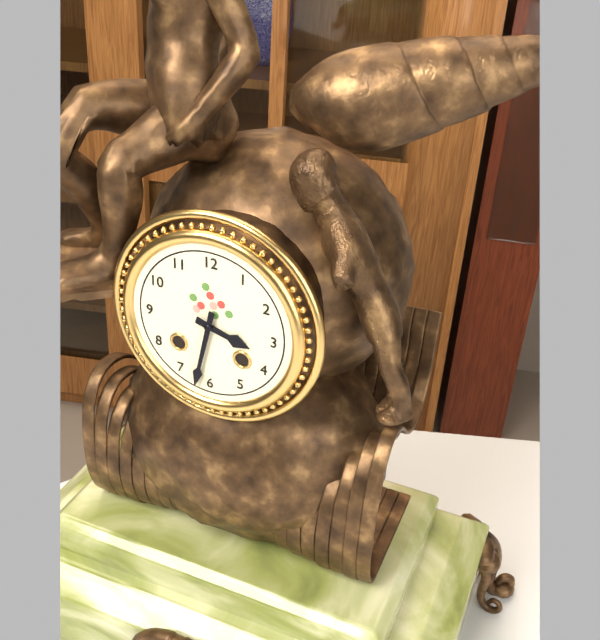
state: 3:32
